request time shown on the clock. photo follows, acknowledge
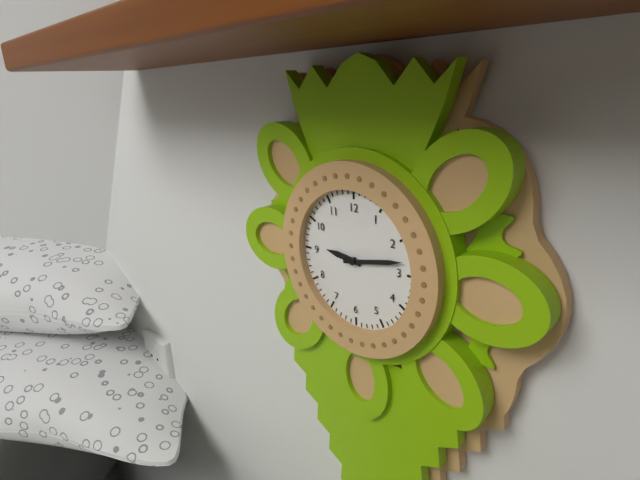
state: 9:13
